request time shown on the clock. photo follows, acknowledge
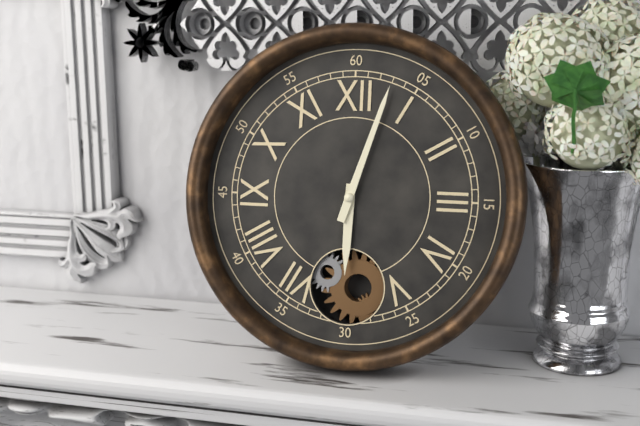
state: 6:03
